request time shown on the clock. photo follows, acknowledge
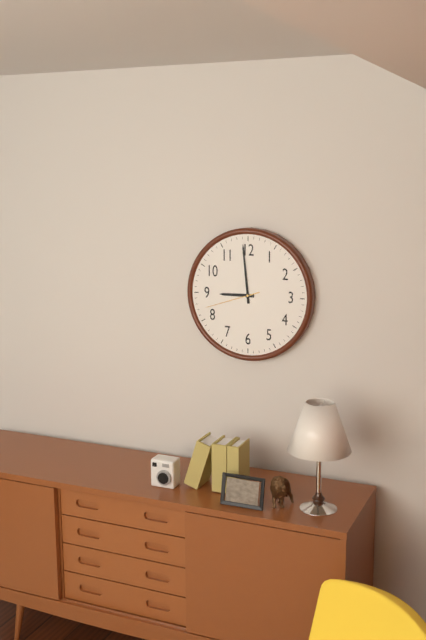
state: 8:59:42
